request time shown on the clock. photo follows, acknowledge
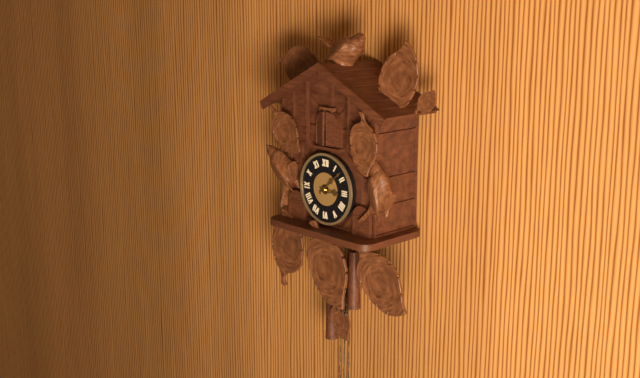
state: 3:08
